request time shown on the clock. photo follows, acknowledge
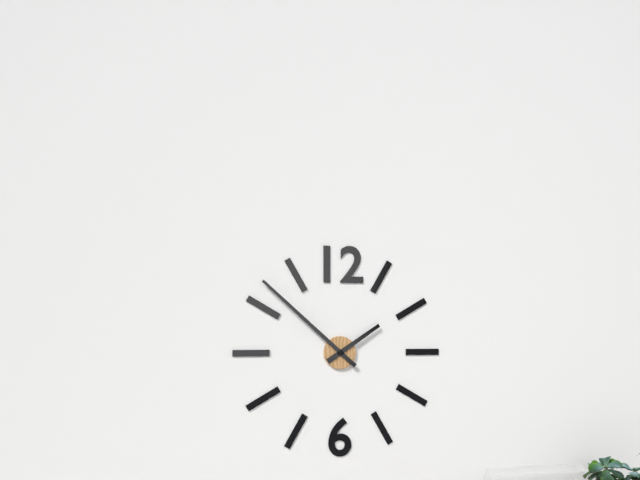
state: 1:52
